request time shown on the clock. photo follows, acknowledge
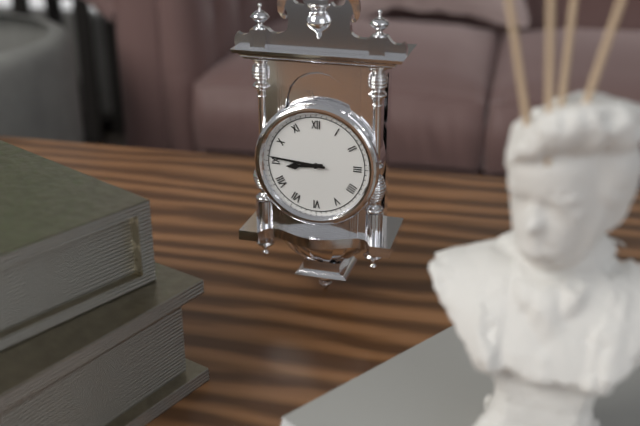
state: 8:46
